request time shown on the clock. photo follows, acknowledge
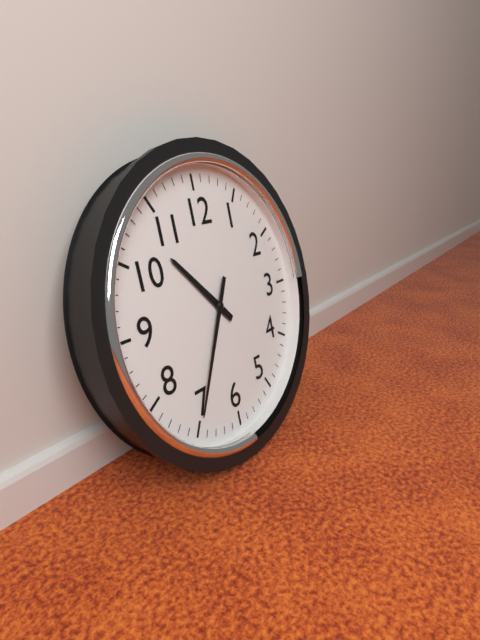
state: 10:35
